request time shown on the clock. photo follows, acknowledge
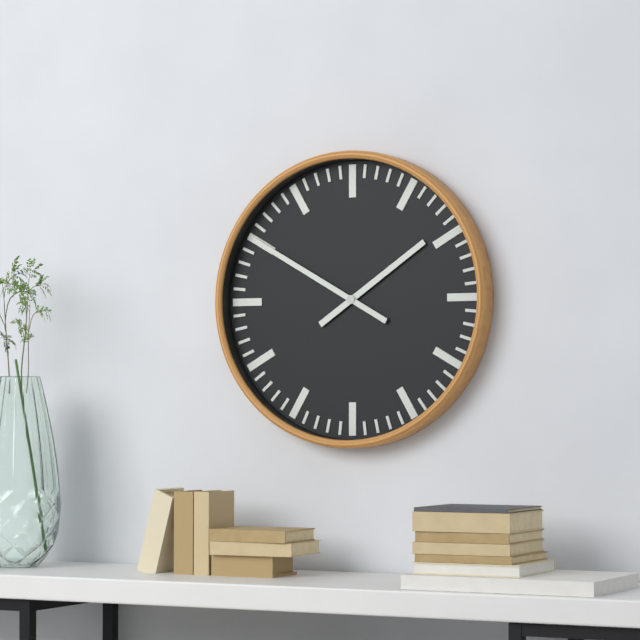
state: 1:50
